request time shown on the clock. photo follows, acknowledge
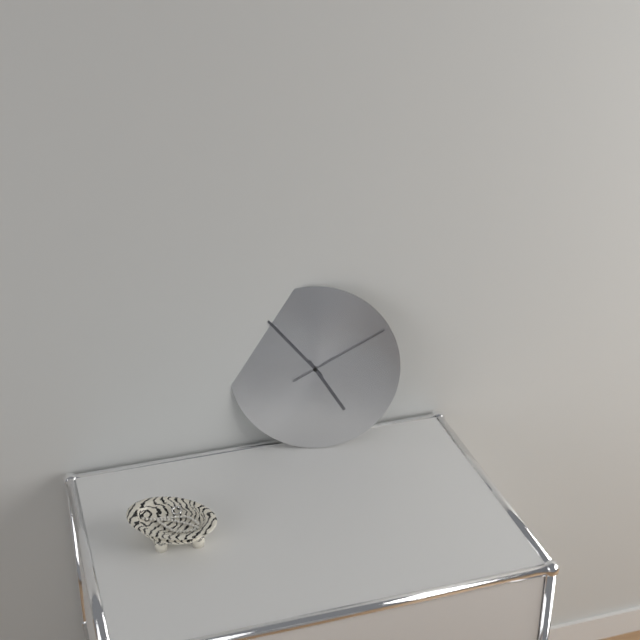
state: 4:53:10
